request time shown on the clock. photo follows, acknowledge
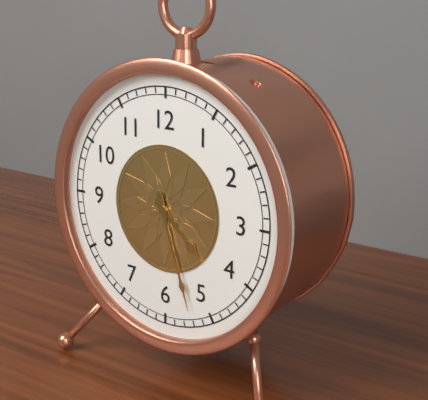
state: 4:27
